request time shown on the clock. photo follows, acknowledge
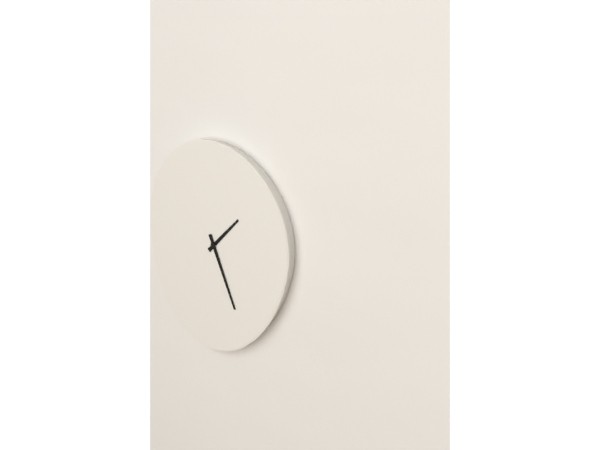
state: 1:26
